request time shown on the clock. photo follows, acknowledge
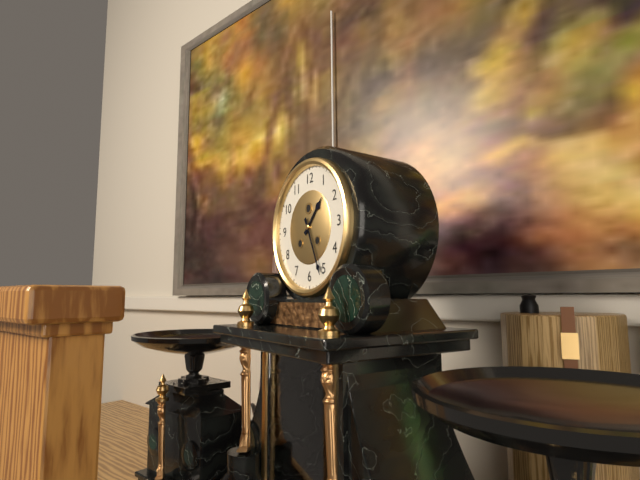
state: 1:26
